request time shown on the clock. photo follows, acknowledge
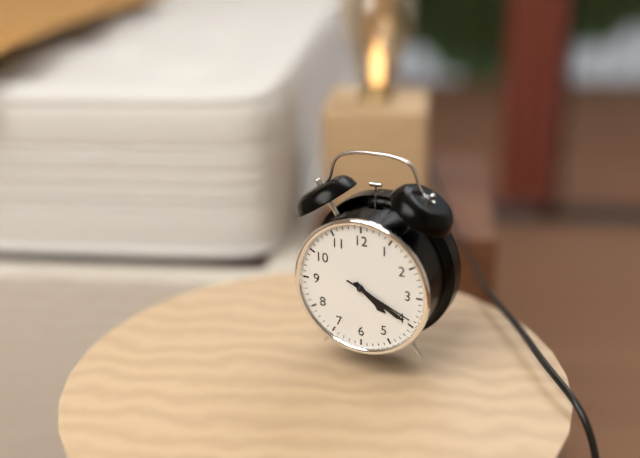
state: 4:20:19
